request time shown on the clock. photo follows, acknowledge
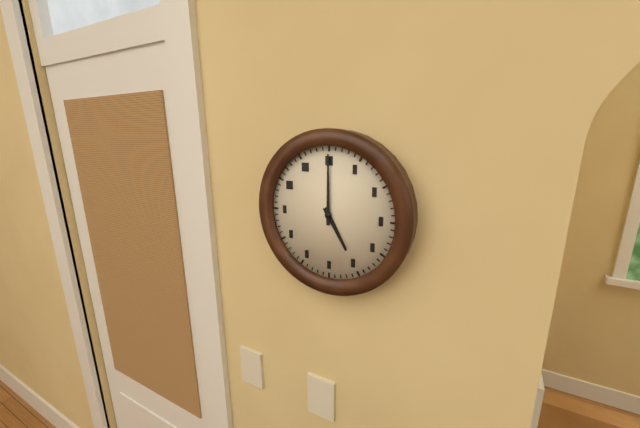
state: 5:00
